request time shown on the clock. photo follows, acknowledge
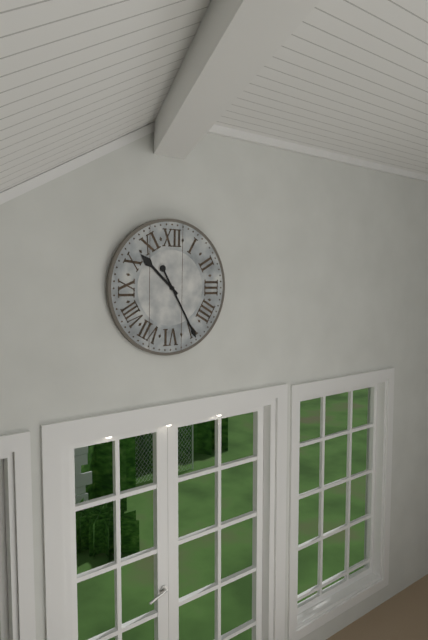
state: 10:25
